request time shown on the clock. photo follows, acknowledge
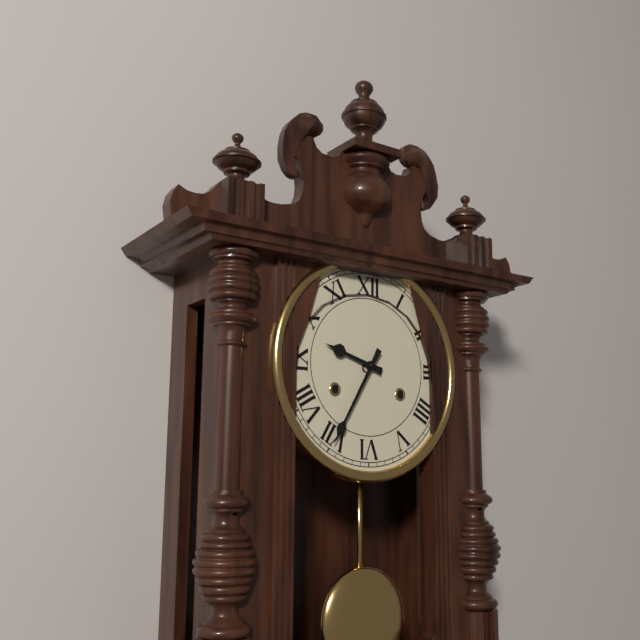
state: 9:35
